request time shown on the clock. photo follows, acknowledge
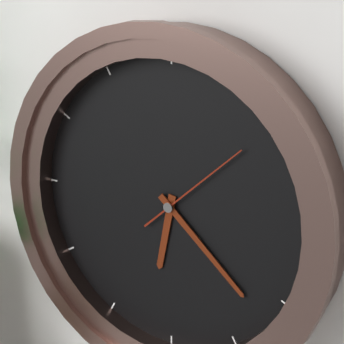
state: 6:22:08
